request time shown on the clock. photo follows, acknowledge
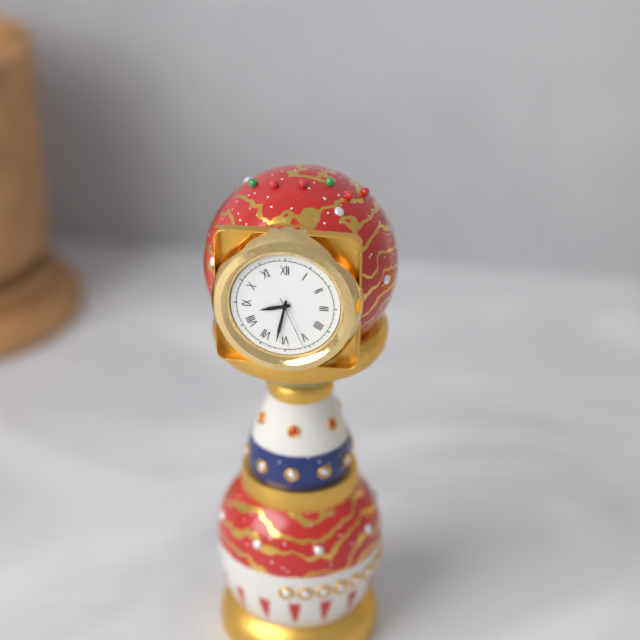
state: 8:32:26
